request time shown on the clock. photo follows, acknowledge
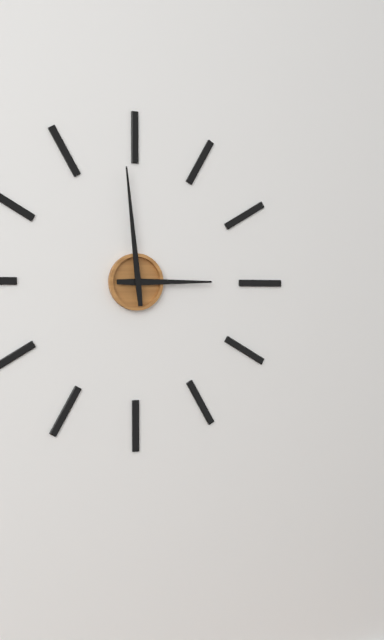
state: 2:59
